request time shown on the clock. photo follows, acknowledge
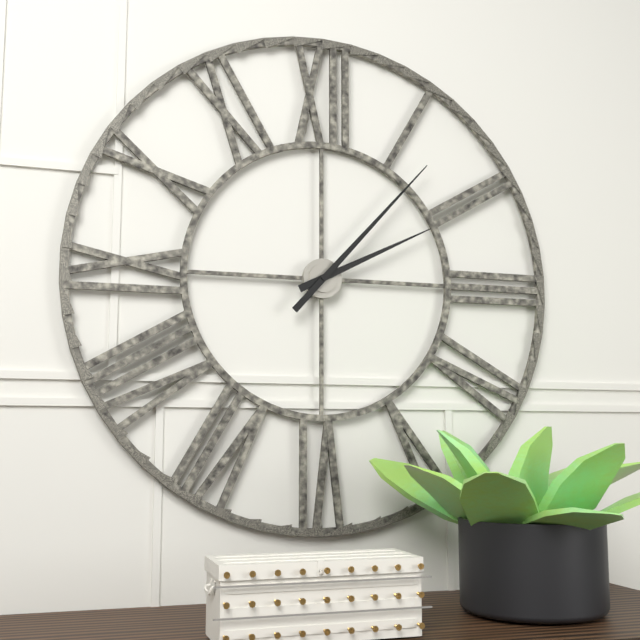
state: 2:07
